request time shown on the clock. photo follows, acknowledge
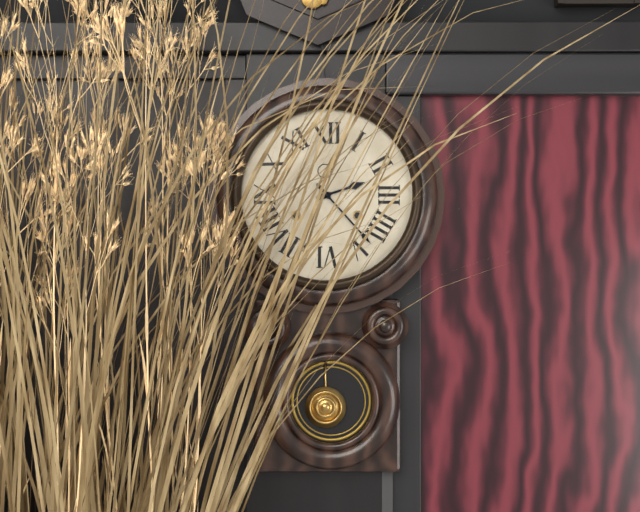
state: 2:23
